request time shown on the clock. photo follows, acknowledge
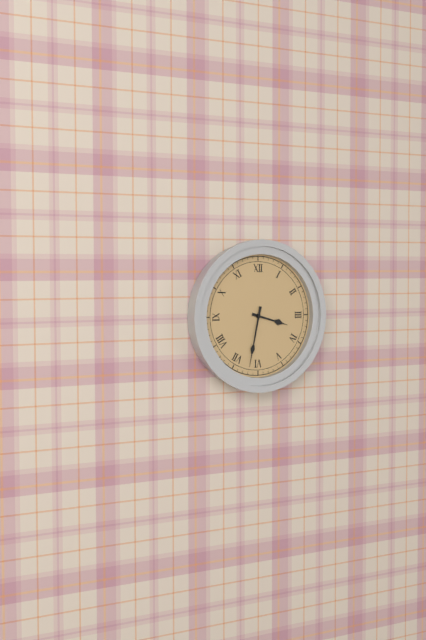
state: 3:32
